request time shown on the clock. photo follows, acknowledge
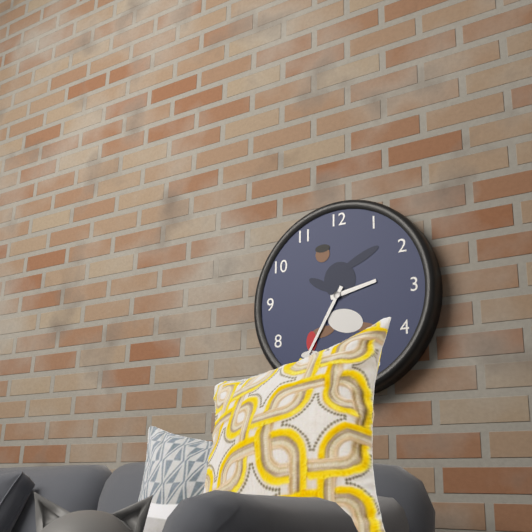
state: 2:35
